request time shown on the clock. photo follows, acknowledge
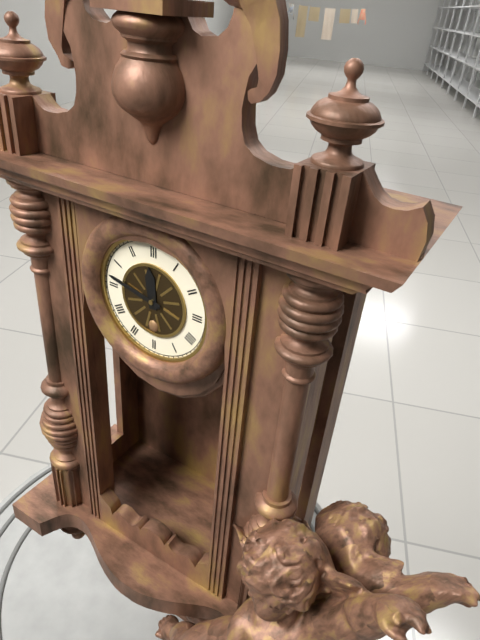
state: 11:47
